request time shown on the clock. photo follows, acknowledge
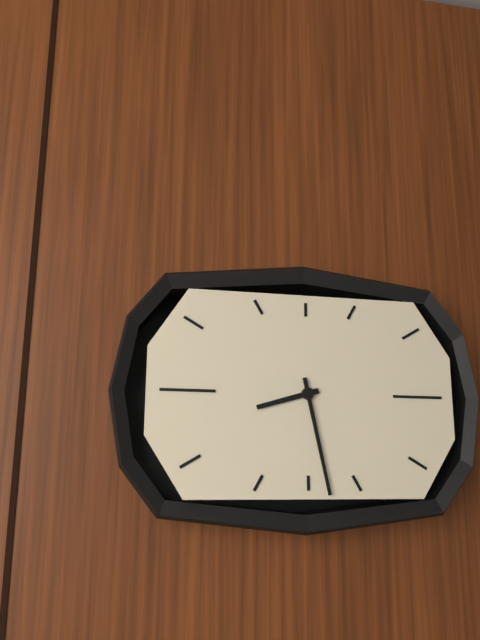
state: 8:28
